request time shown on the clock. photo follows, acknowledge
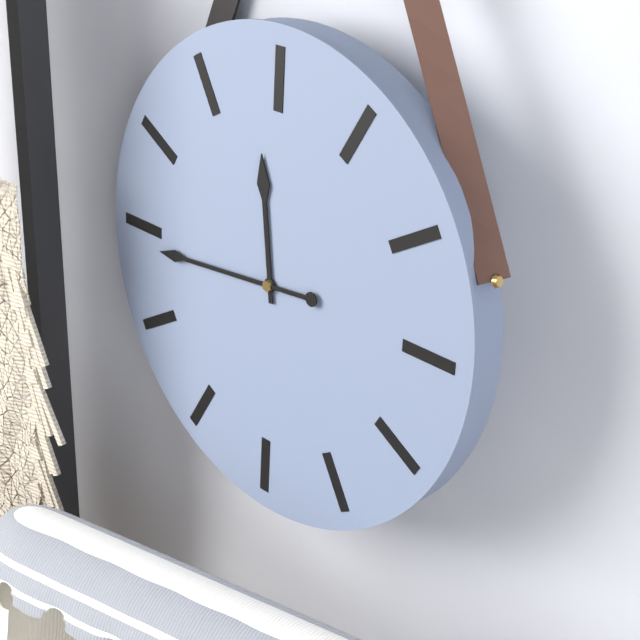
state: 11:44
